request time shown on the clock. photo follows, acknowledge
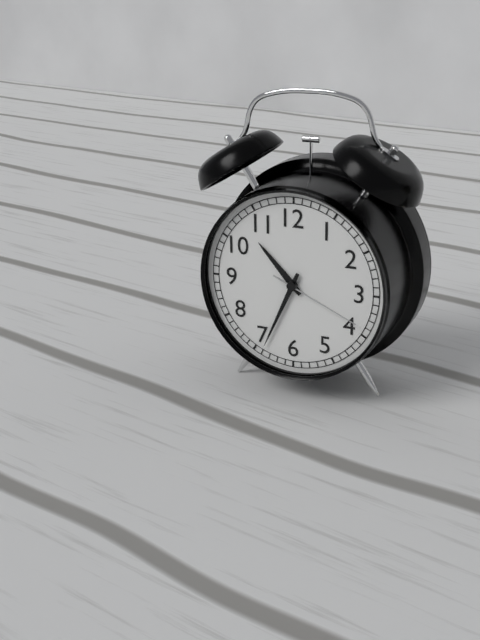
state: 10:34:19
